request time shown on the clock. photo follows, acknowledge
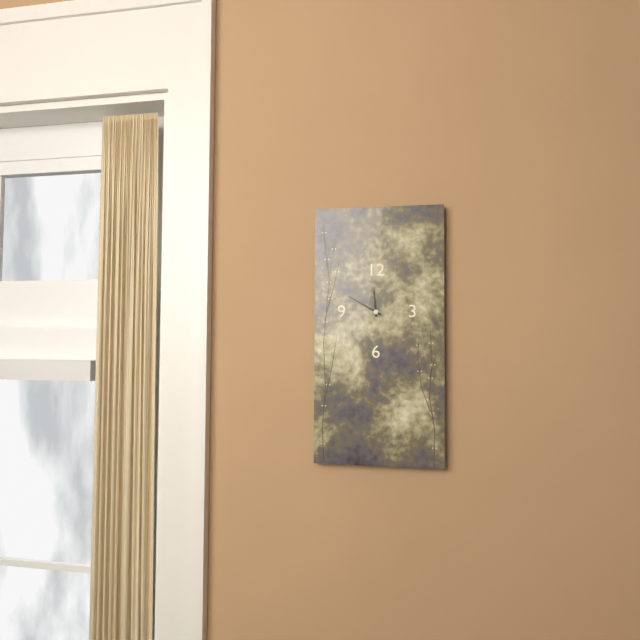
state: 11:50
